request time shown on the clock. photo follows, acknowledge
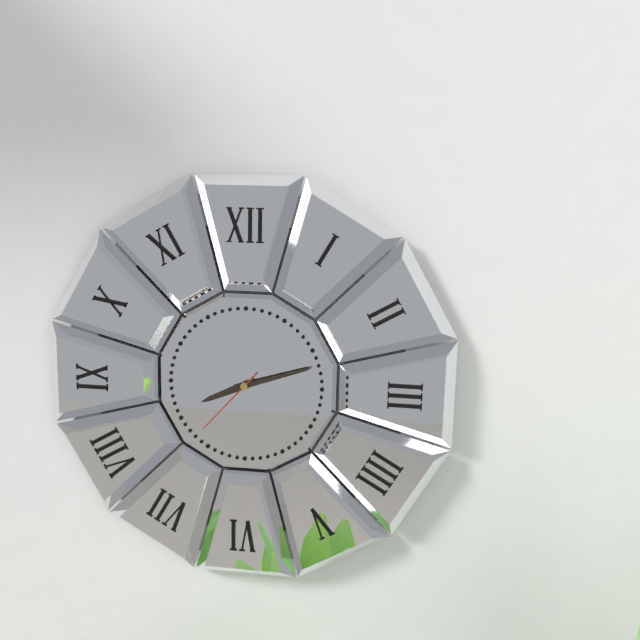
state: 8:12:37
